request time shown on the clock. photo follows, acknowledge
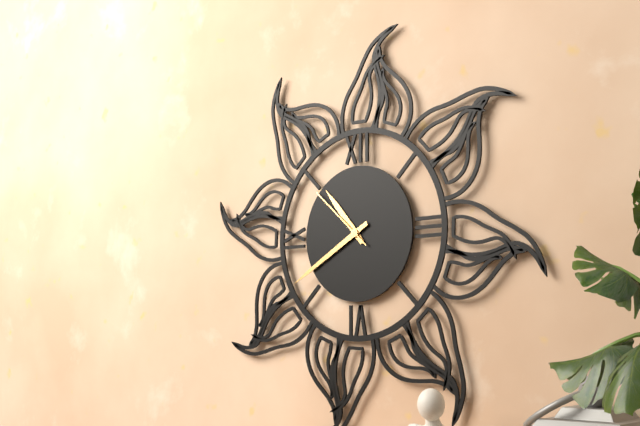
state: 10:40:52
